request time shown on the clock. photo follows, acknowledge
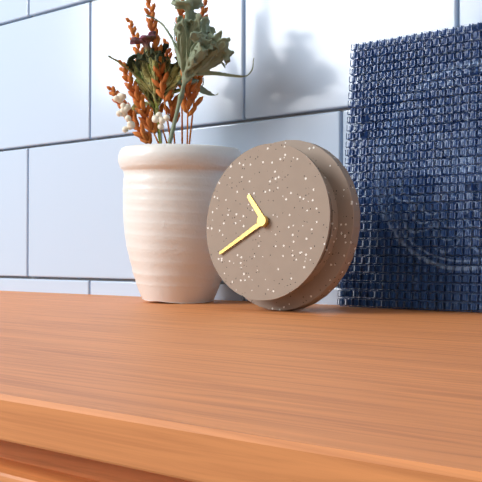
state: 10:40
